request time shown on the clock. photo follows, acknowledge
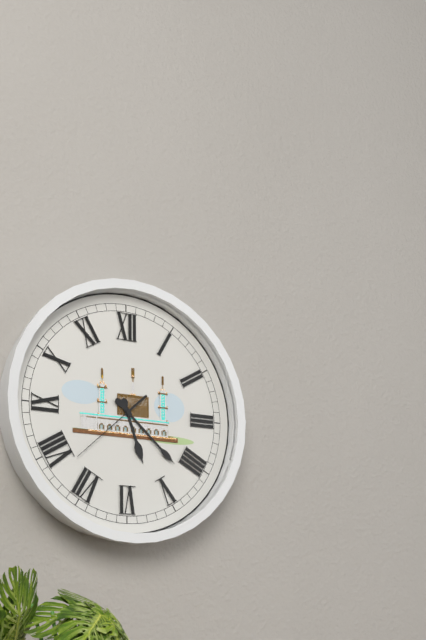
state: 5:22:38
